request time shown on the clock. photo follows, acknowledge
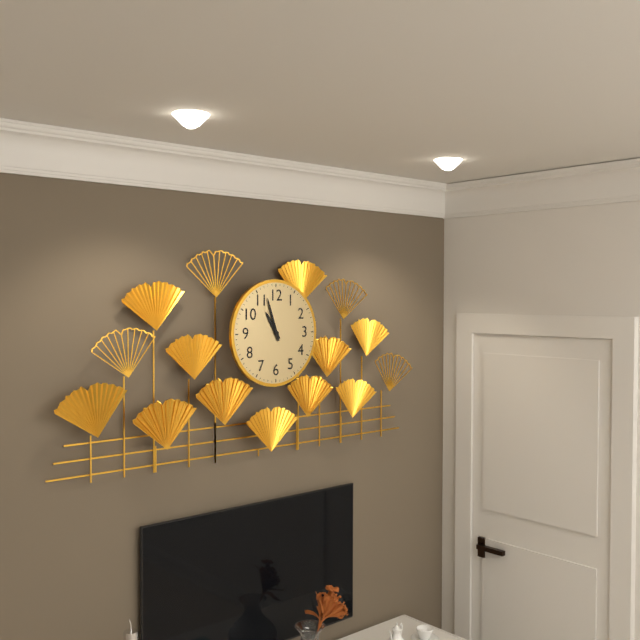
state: 10:57
